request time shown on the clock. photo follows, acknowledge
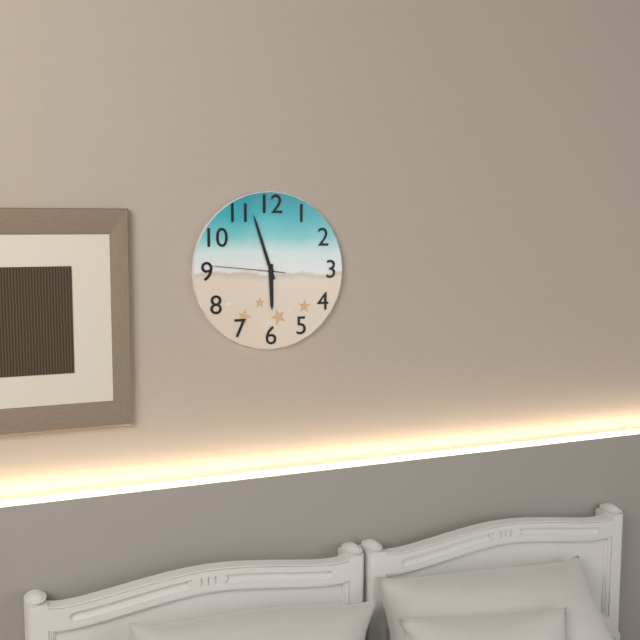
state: 5:57:46
